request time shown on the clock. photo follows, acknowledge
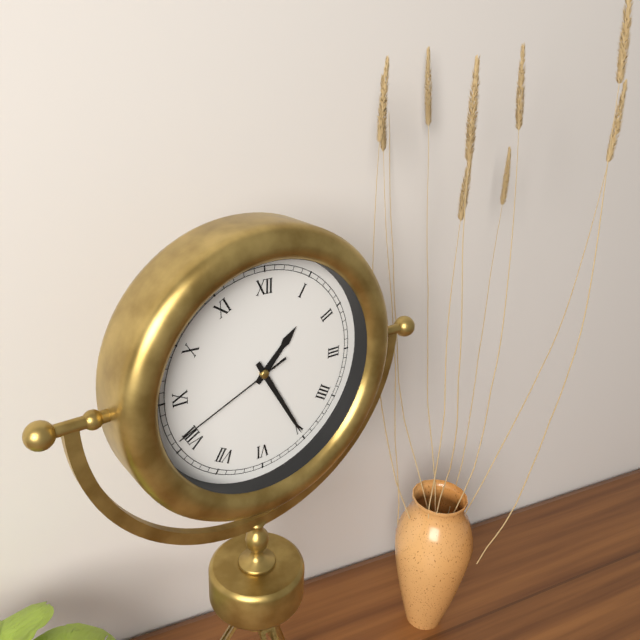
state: 1:25:41
